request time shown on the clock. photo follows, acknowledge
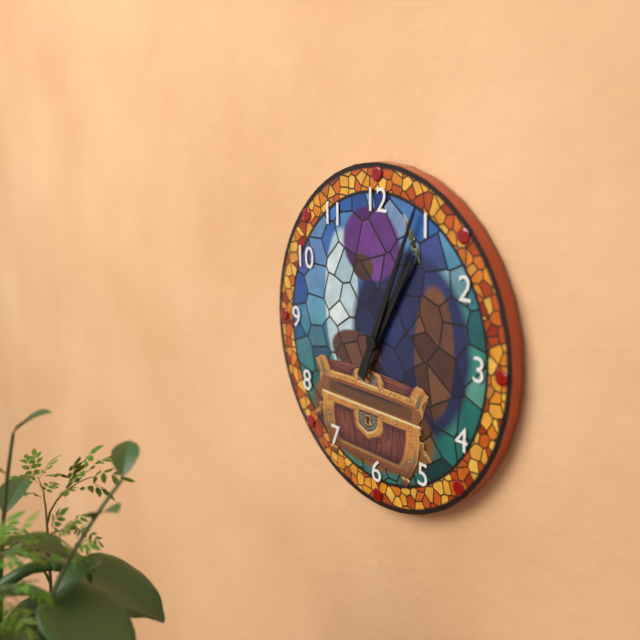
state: 1:04
